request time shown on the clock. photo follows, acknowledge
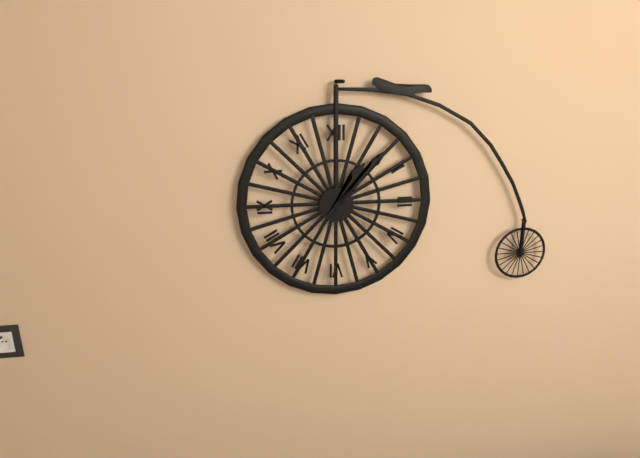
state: 1:07
